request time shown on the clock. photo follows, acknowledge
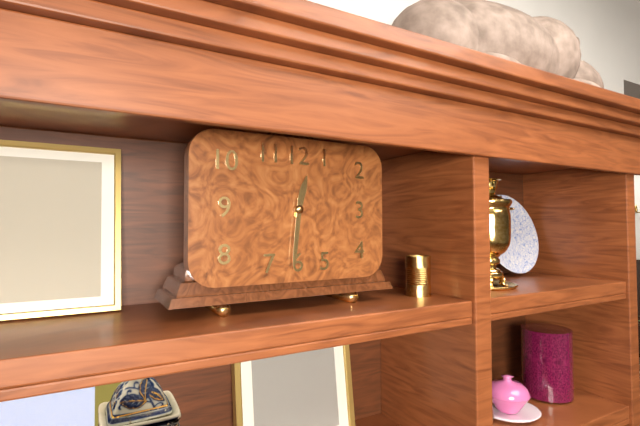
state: 12:31
